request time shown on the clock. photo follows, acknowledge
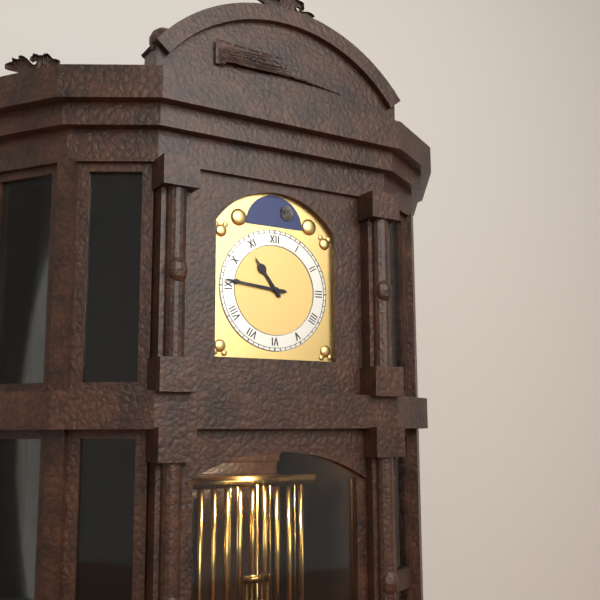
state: 10:46
